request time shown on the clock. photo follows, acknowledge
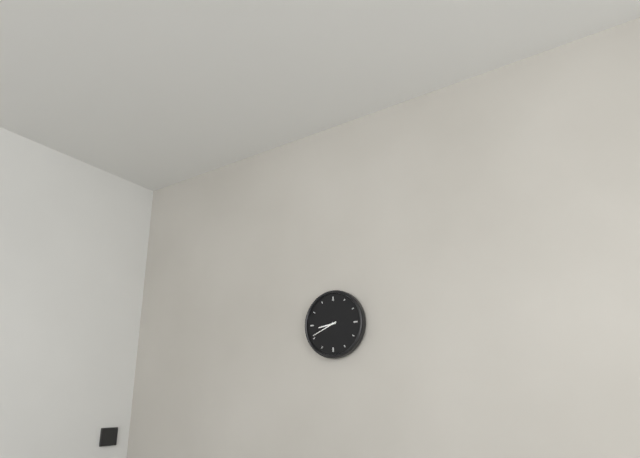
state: 8:41
